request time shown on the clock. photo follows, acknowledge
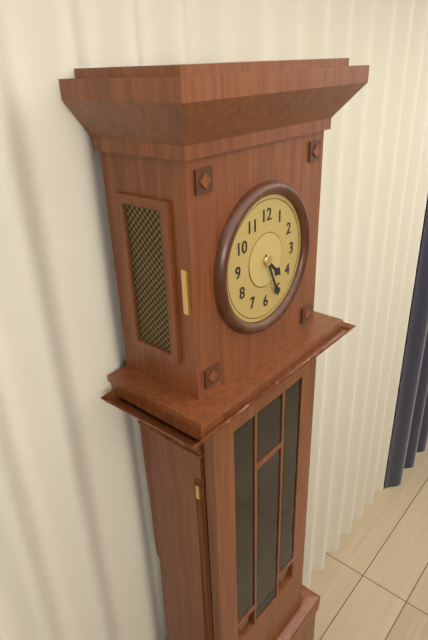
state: 4:26
